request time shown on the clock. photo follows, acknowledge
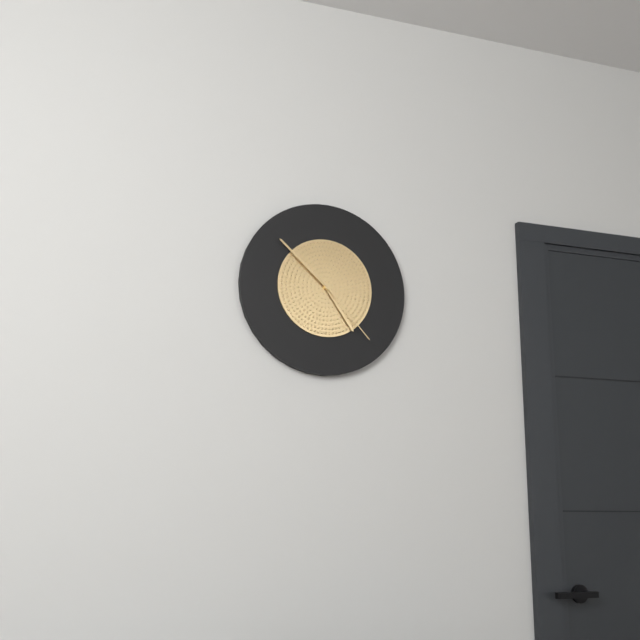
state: 4:52:23
